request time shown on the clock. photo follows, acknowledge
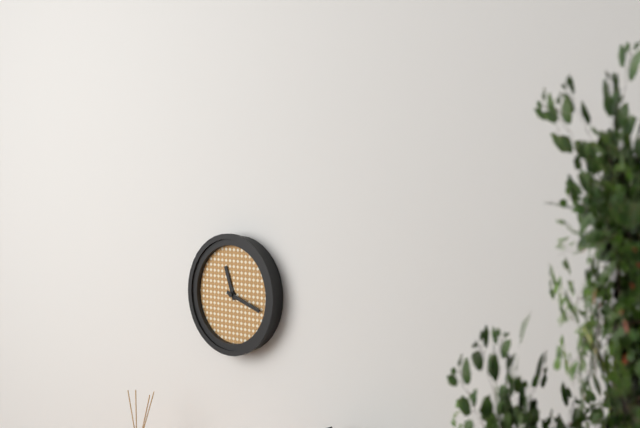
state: 11:18
